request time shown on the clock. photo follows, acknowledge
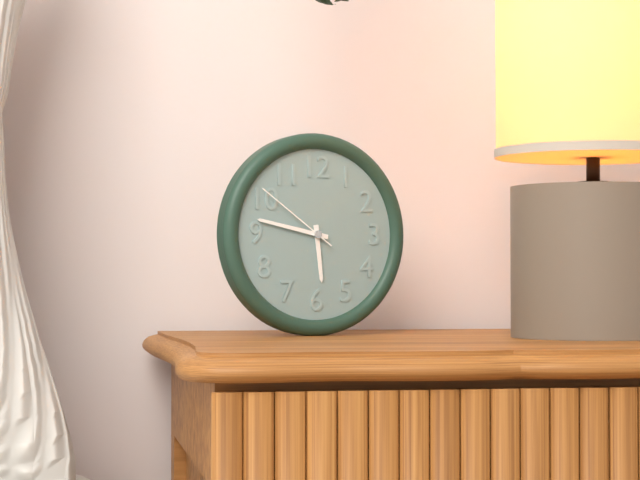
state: 5:47:51
